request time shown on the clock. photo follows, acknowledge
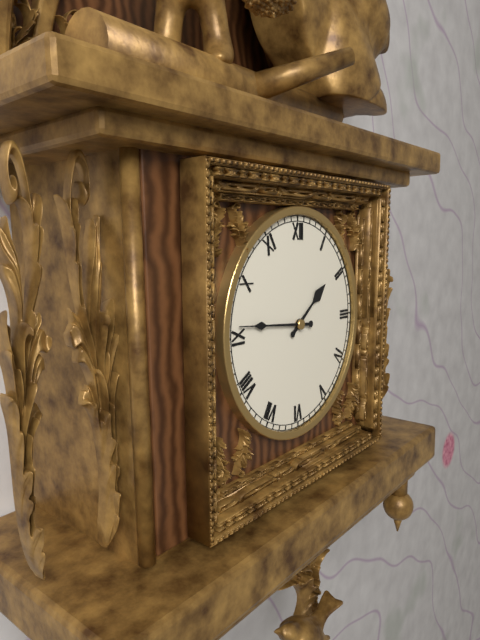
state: 1:46
